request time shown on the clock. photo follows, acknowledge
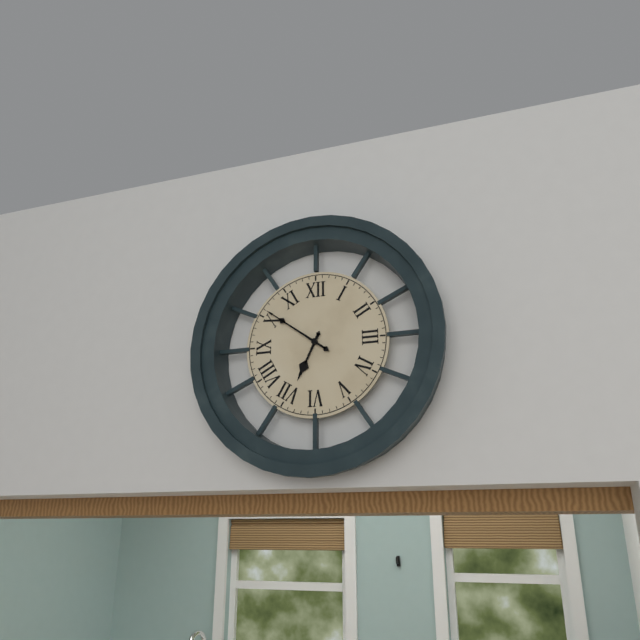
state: 6:51
